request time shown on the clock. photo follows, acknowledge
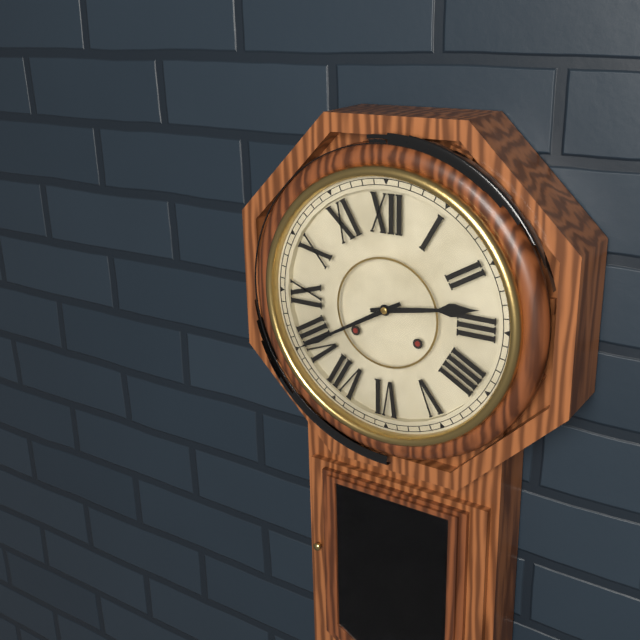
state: 2:40
